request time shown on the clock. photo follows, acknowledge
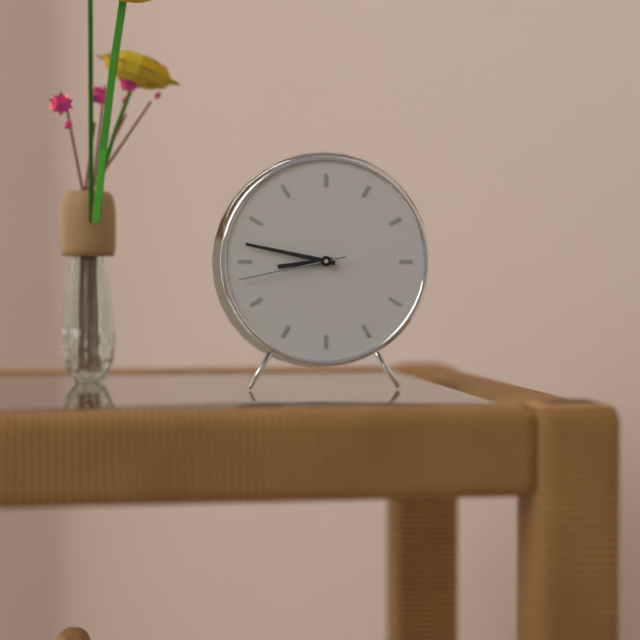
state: 8:47:43
